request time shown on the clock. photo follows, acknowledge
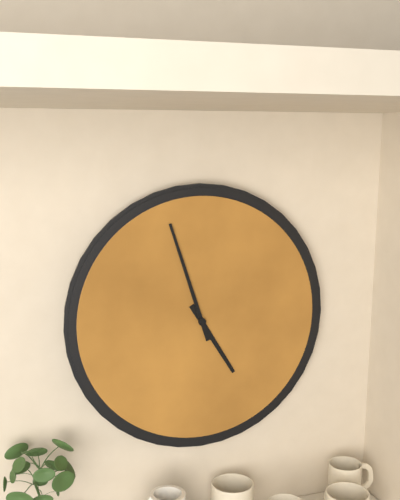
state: 4:57
